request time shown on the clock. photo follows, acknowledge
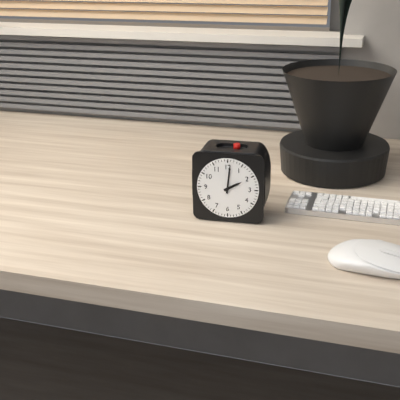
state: 2:01
